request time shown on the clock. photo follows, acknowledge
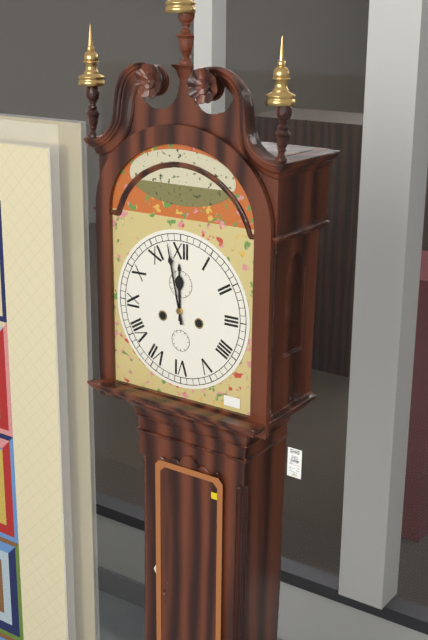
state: 11:58
